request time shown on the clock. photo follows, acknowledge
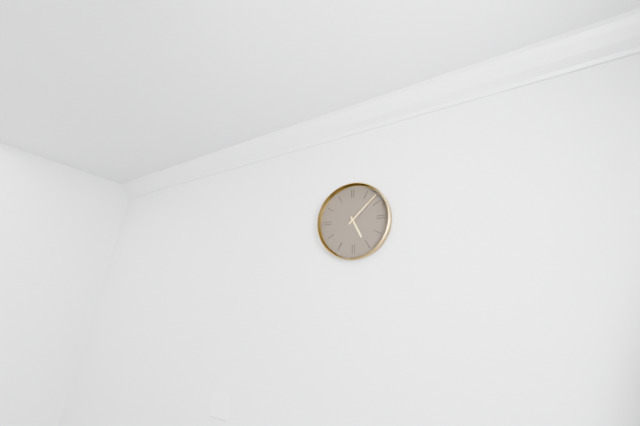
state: 5:08
